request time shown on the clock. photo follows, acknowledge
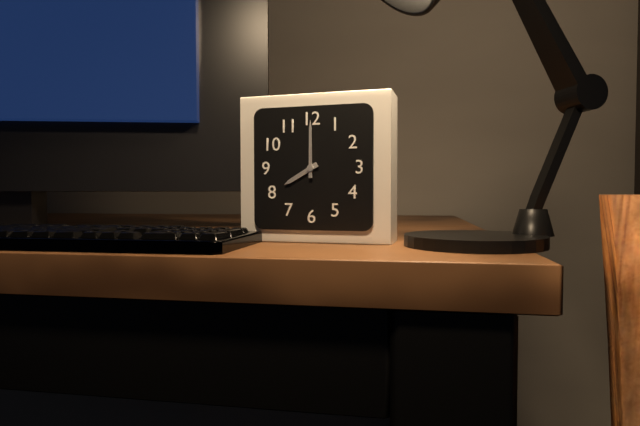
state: 8:00
